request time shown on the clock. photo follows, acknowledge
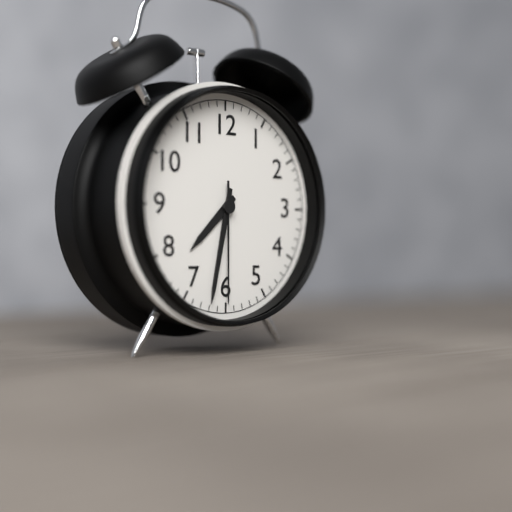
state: 7:32:30
